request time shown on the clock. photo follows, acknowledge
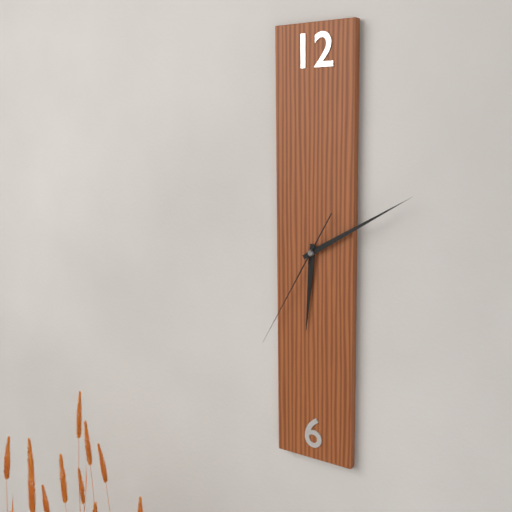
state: 6:10:35
